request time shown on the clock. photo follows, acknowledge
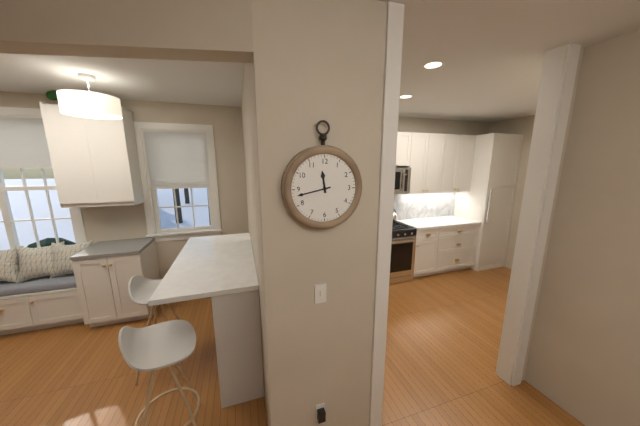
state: 11:43
